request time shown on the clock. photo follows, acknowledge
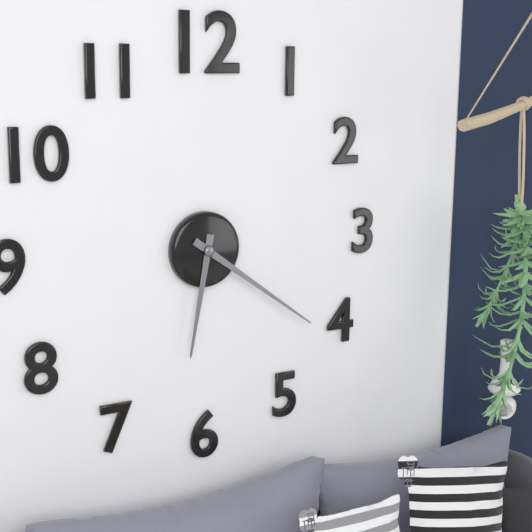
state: 6:21
